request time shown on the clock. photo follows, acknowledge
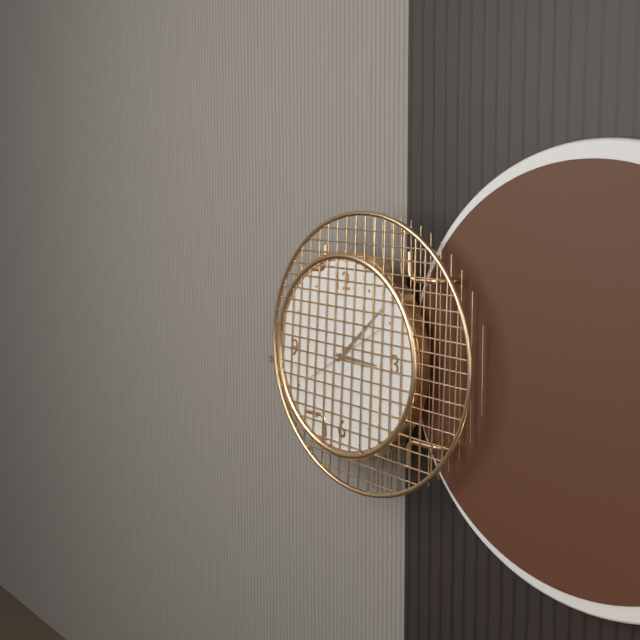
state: 3:08:10
